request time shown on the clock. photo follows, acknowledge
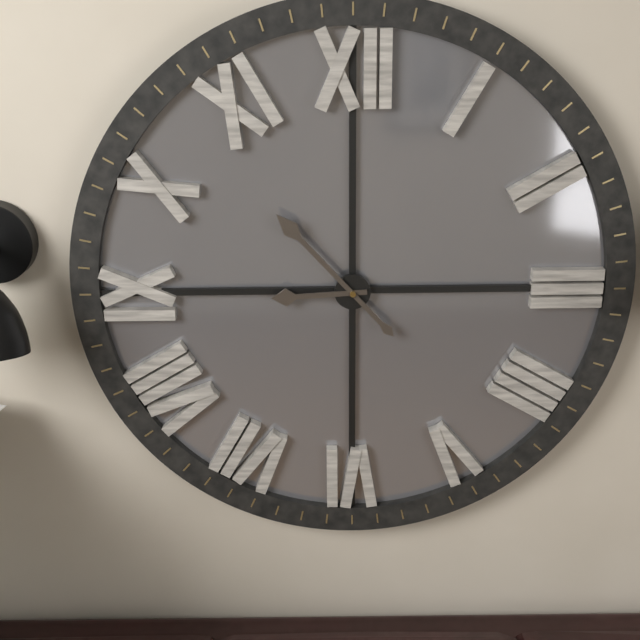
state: 8:53
